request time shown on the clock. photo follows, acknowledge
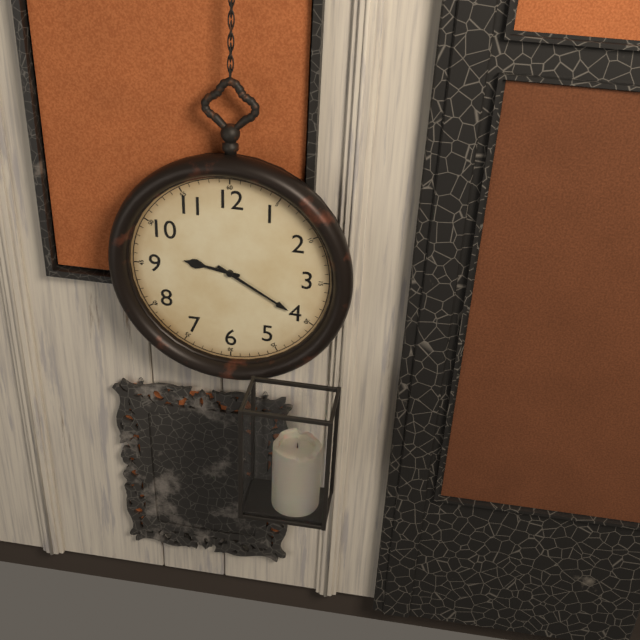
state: 9:20
